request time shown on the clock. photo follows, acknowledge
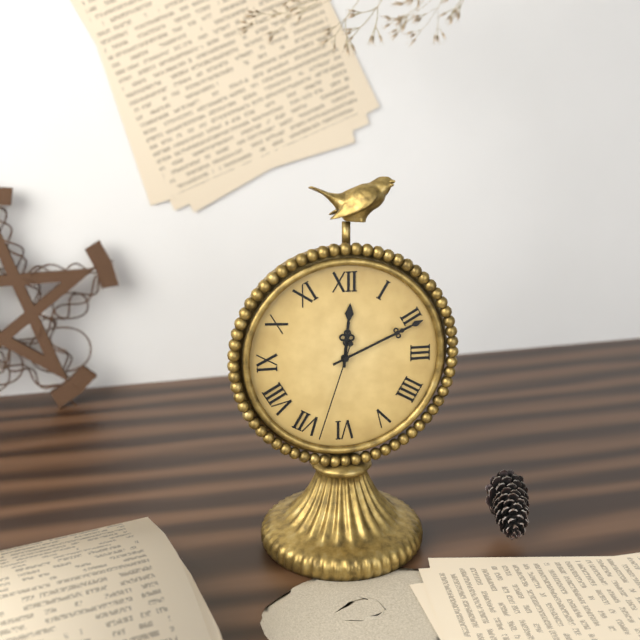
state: 12:11:33
